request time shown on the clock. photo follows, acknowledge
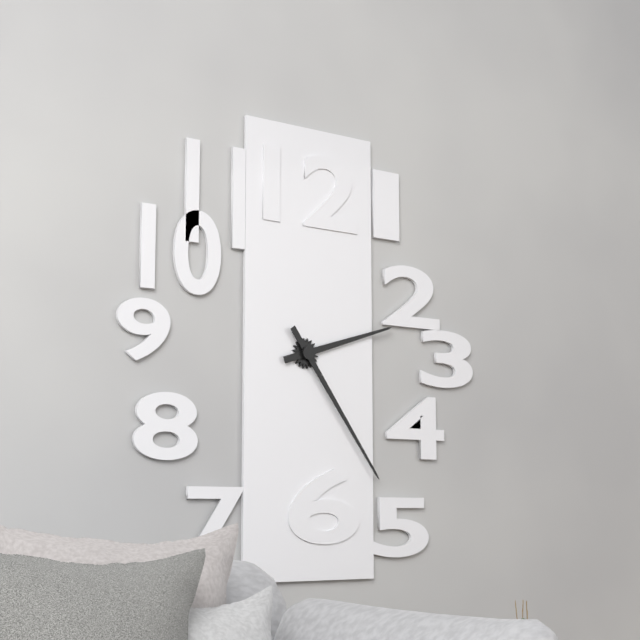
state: 2:24
